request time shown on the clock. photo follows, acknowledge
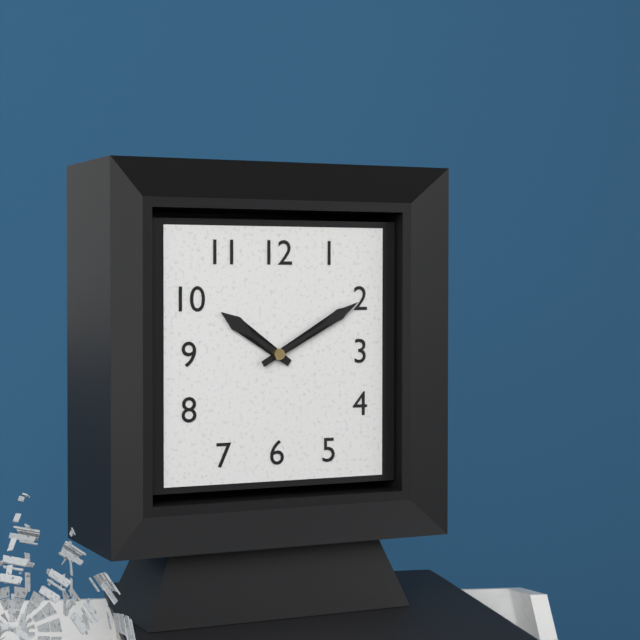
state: 10:10
